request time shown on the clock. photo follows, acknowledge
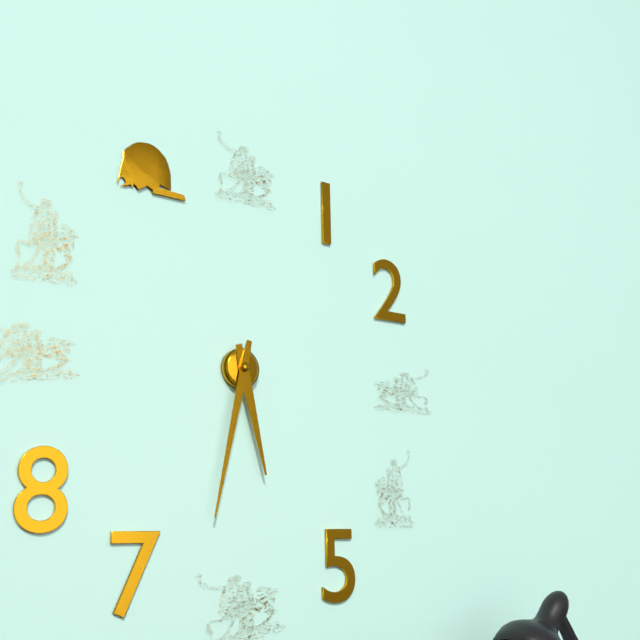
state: 5:32
